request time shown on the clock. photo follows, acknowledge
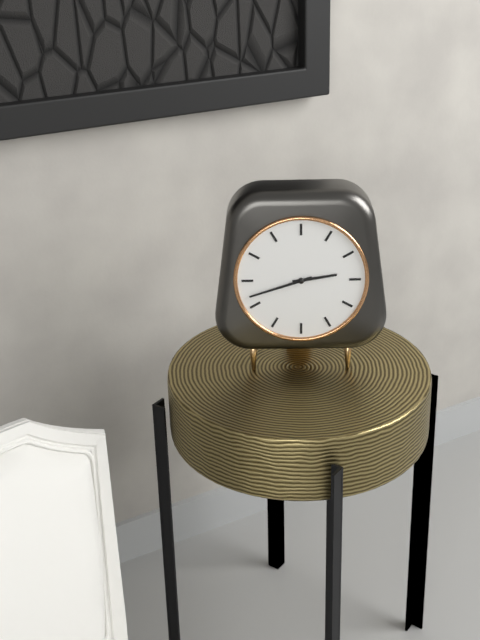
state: 2:42
